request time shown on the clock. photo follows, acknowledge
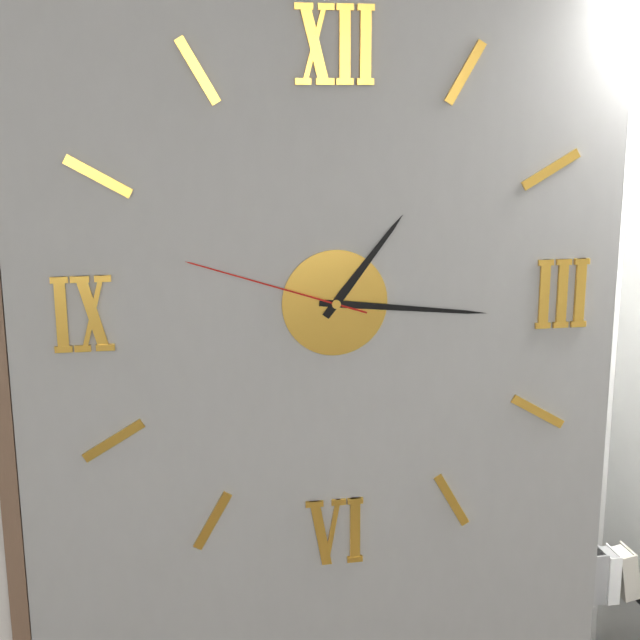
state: 1:16:48
